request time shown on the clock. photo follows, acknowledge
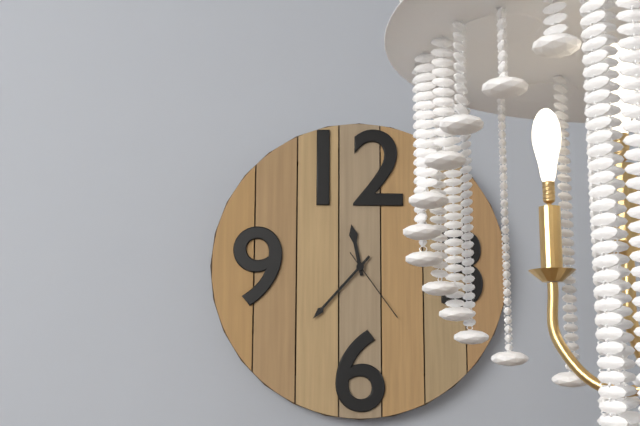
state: 11:37:24
